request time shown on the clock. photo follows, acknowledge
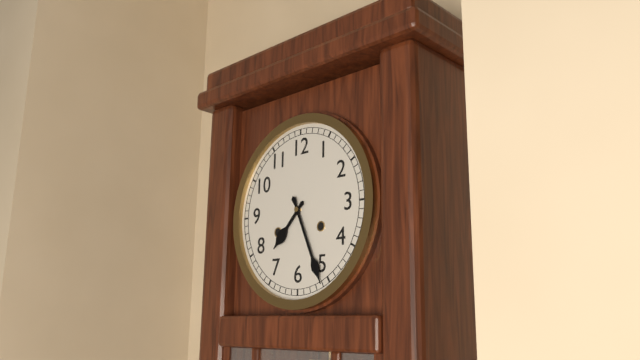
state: 7:26
